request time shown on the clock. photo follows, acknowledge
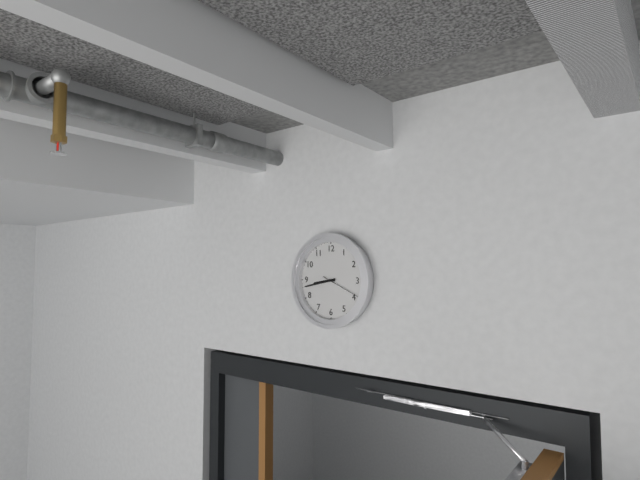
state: 8:43
